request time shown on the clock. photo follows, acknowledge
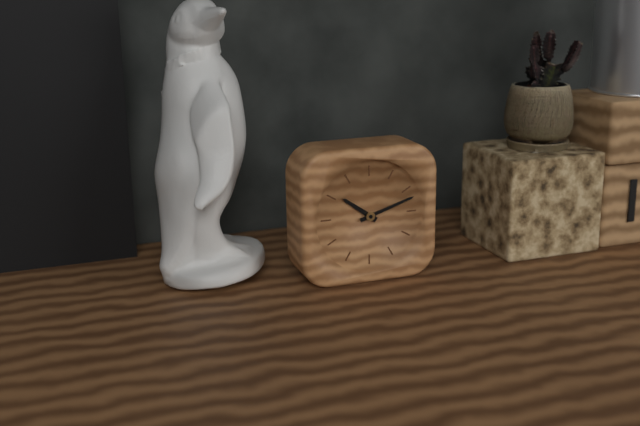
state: 10:12
